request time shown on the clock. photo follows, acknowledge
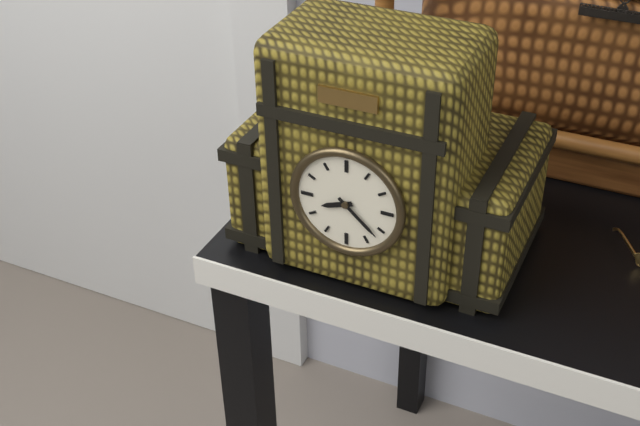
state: 8:22
